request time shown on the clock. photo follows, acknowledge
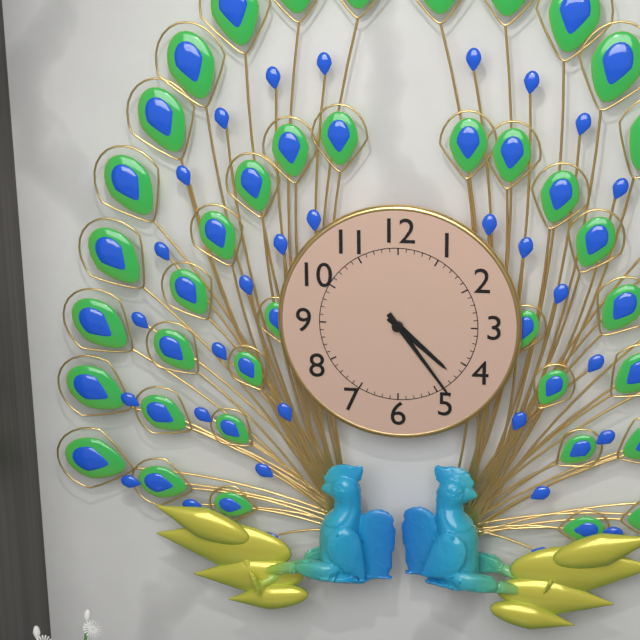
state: 4:24
